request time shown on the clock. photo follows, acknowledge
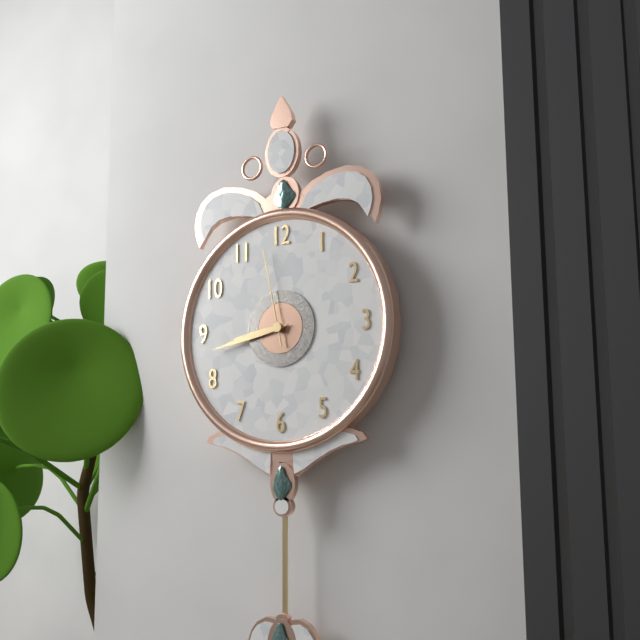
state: 8:43:58
